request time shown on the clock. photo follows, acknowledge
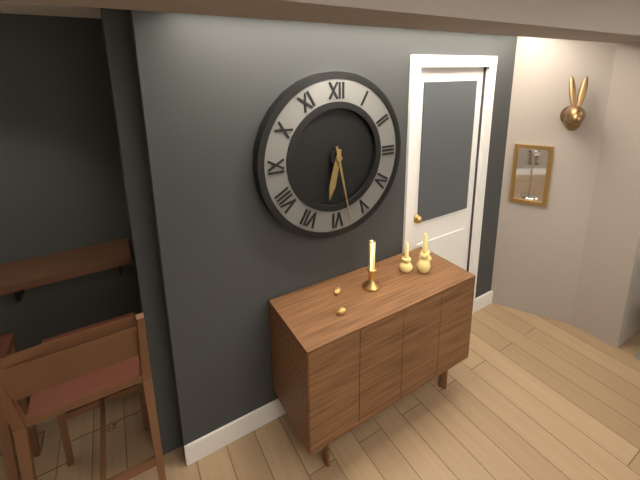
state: 6:28
